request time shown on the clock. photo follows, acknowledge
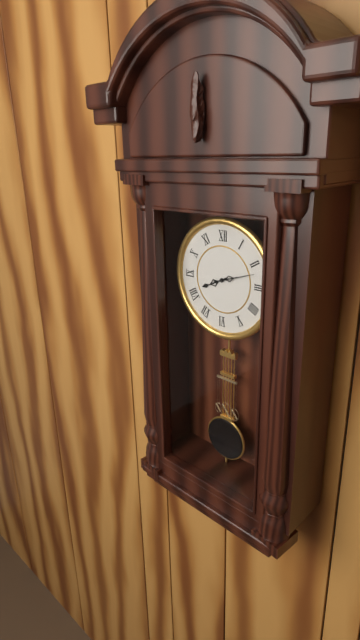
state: 8:12
